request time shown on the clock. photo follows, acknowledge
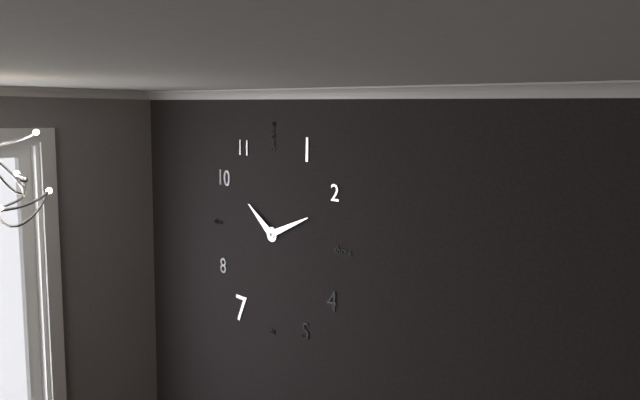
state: 10:11
